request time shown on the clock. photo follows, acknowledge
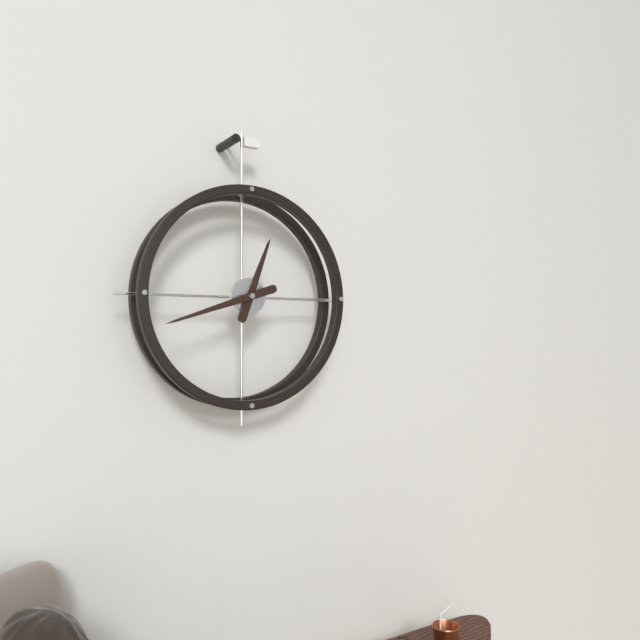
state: 12:42
